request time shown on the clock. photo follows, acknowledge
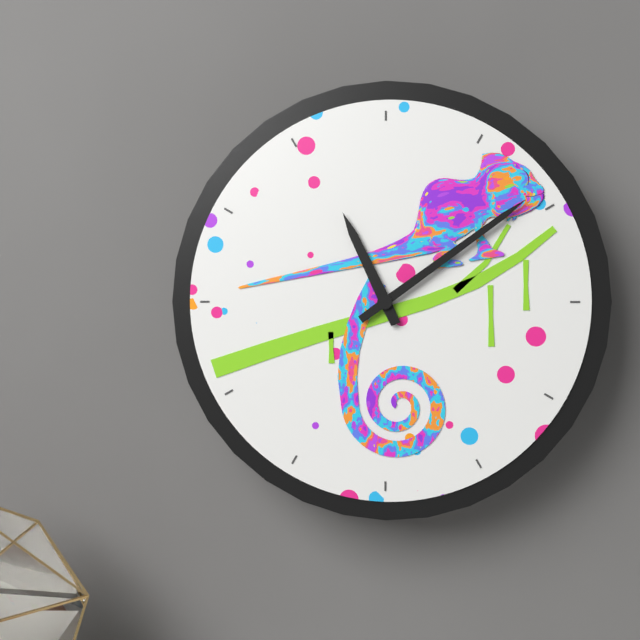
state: 11:09
